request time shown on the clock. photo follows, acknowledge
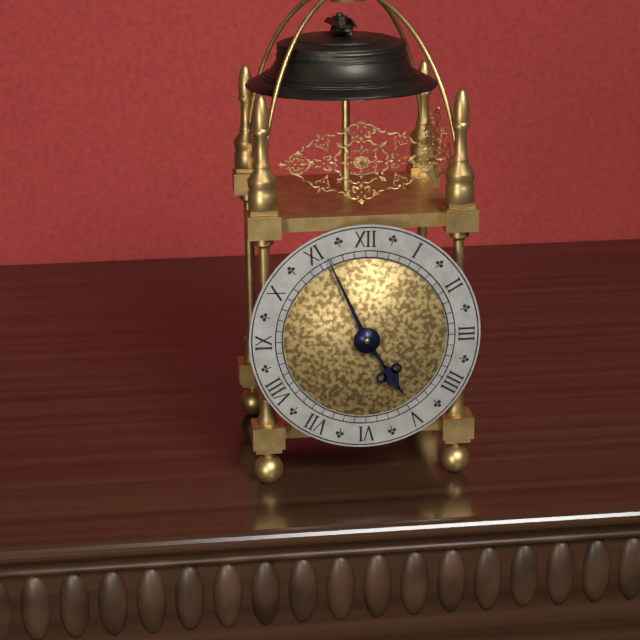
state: 4:56
